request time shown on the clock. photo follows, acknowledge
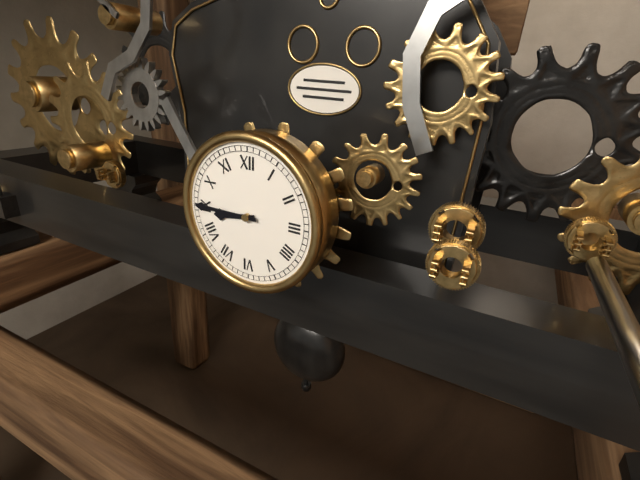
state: 8:45
